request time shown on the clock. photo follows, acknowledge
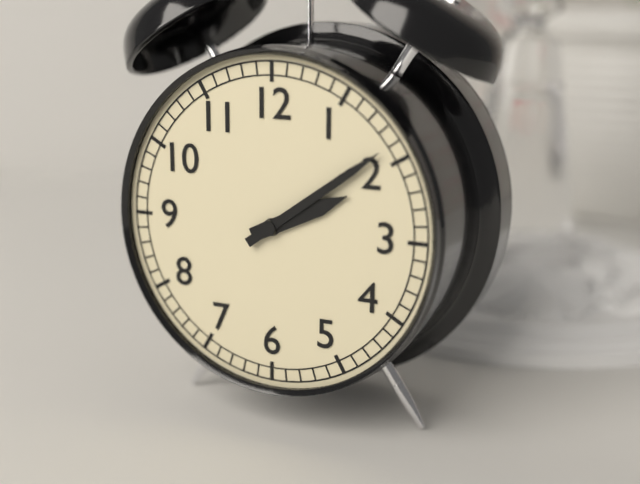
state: 2:09
